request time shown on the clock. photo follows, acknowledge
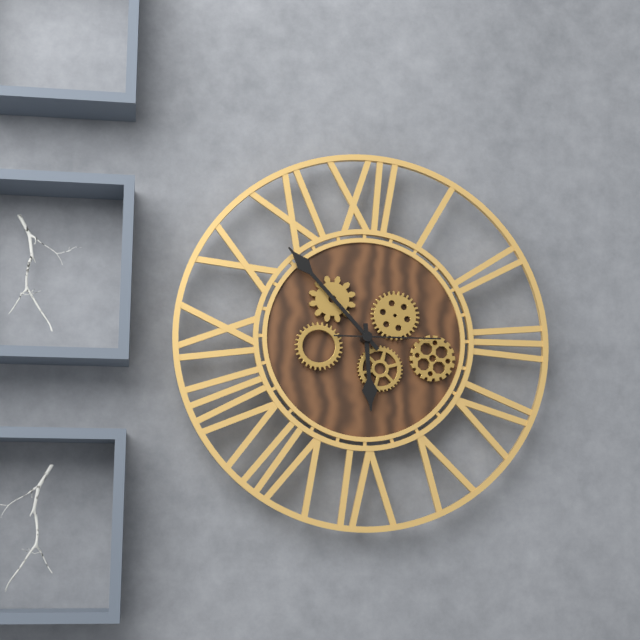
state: 5:53:15
